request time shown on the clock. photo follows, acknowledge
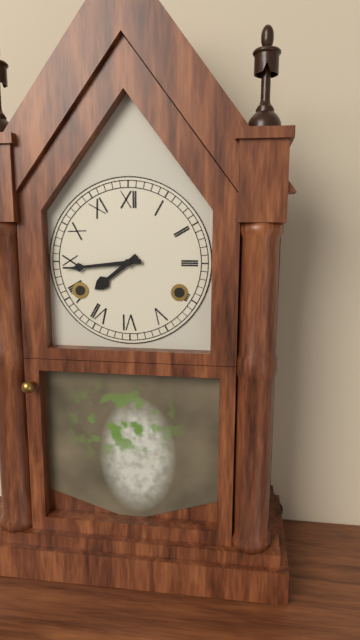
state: 7:44
